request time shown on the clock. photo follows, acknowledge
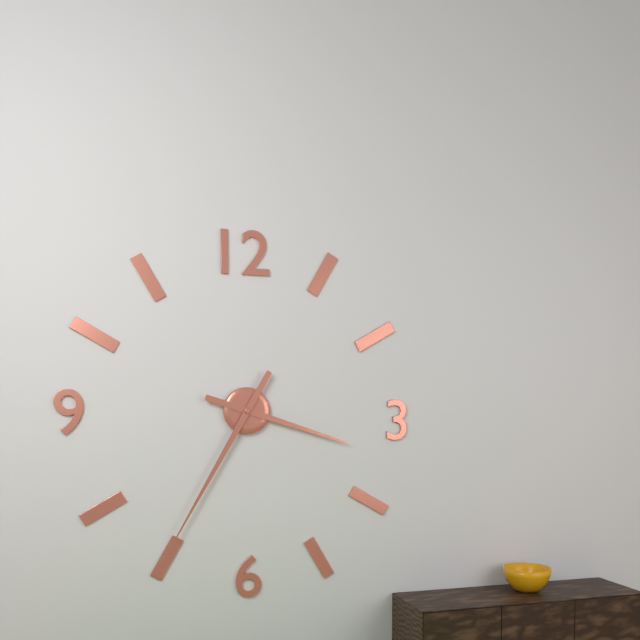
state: 3:35
